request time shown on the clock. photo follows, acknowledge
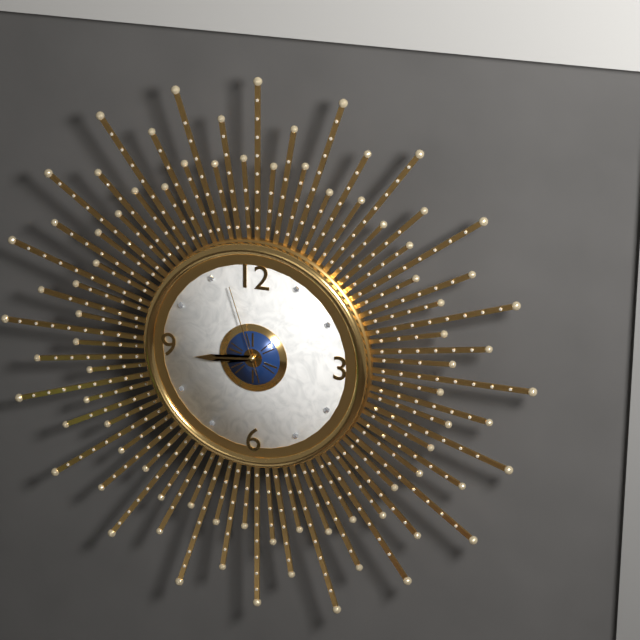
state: 8:44:57
